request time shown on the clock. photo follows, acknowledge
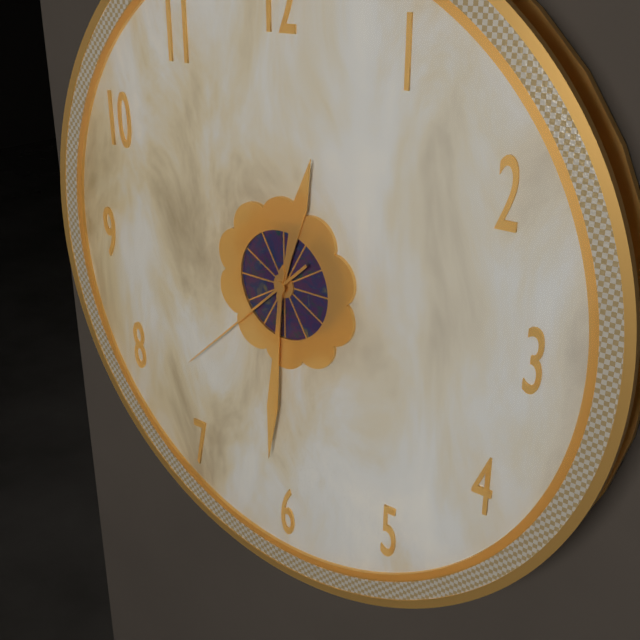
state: 12:31:38
